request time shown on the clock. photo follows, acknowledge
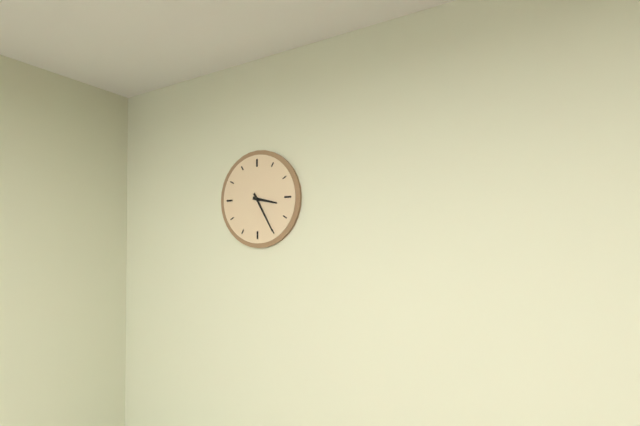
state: 3:25
